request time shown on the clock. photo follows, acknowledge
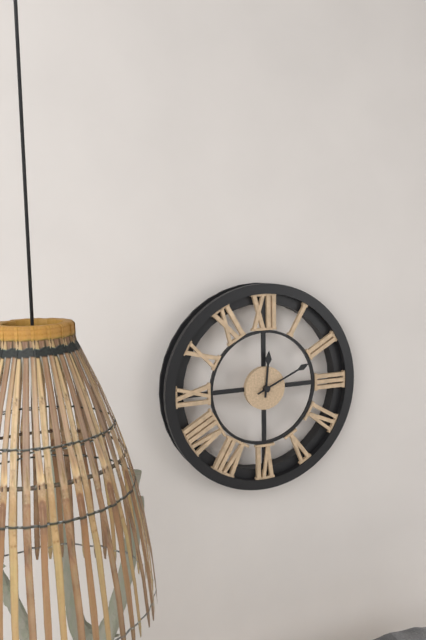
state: 12:11
